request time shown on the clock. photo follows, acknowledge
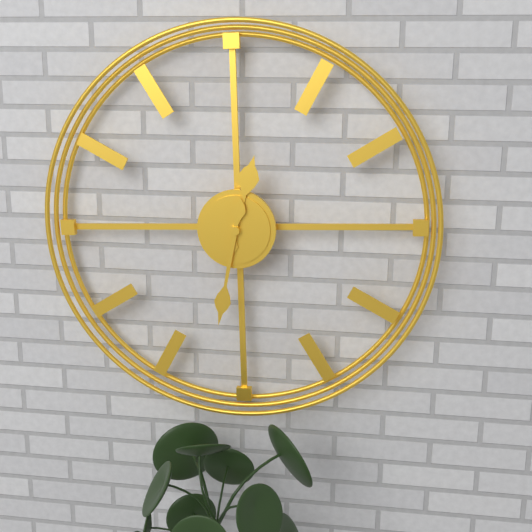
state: 12:32
